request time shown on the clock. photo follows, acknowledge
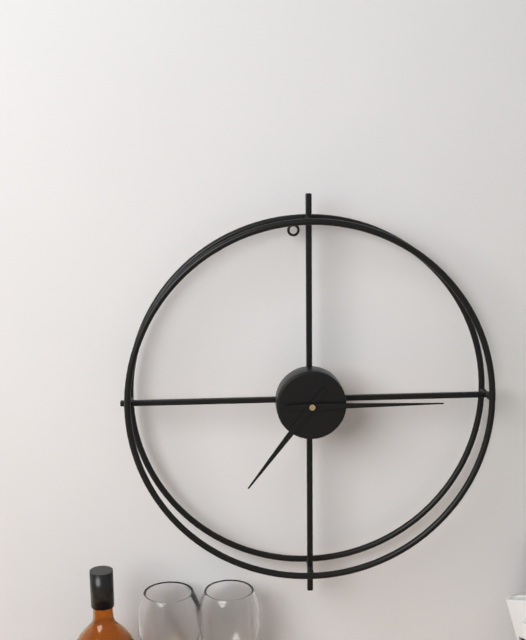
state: 7:15
